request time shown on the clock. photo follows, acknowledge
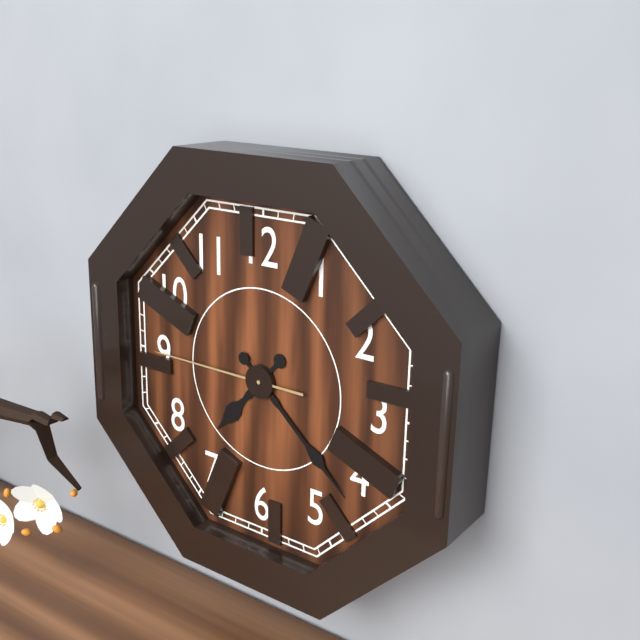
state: 7:22:45
